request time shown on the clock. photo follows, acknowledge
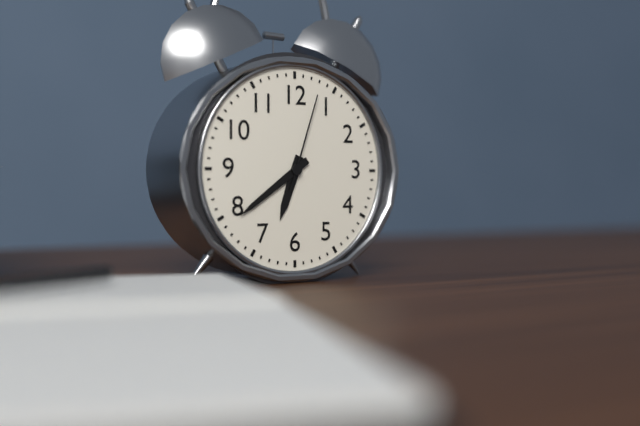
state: 6:39:03
